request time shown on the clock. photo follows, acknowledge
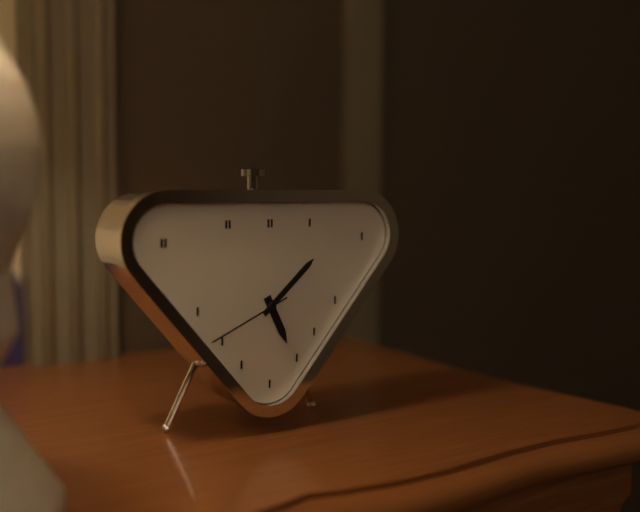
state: 5:08:41
